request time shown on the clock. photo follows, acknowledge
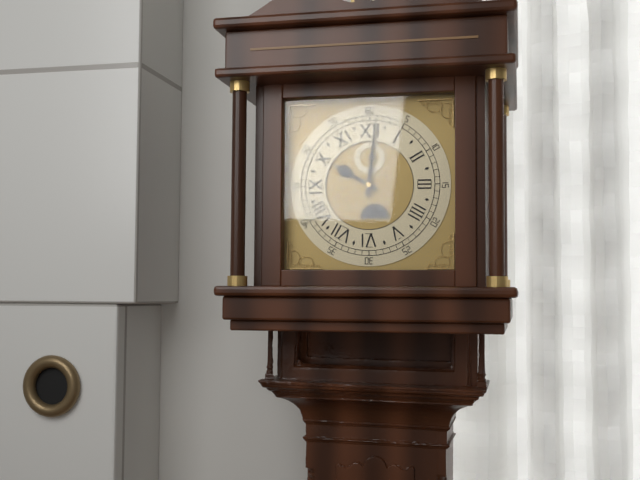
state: 10:01
